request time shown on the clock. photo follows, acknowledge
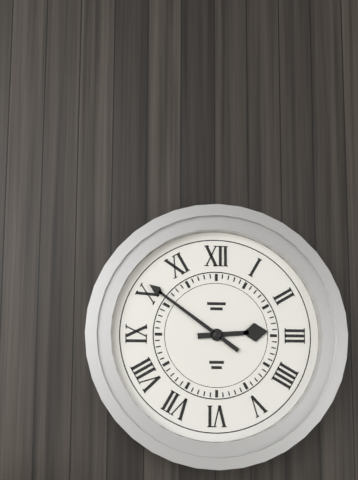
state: 2:51
